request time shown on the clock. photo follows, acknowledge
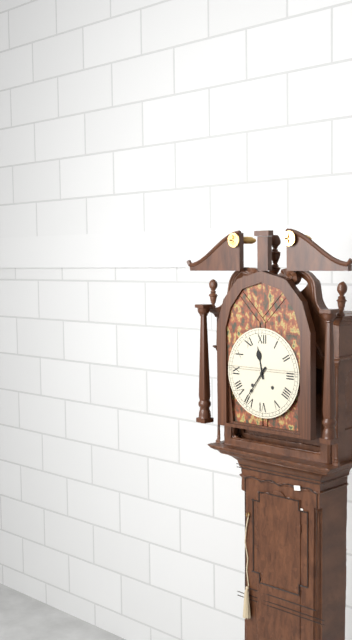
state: 11:36
